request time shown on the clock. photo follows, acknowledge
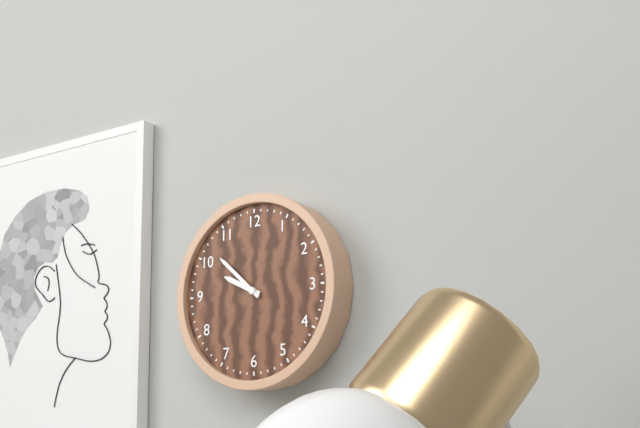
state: 9:52
